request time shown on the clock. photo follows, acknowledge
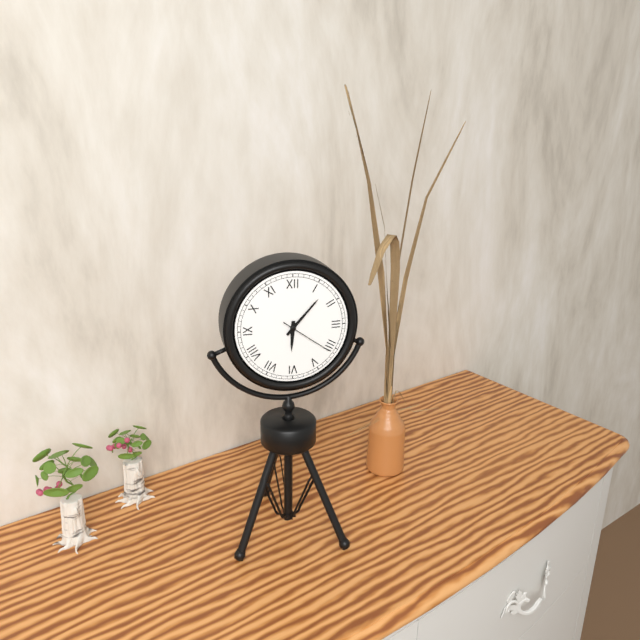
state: 6:07:21
